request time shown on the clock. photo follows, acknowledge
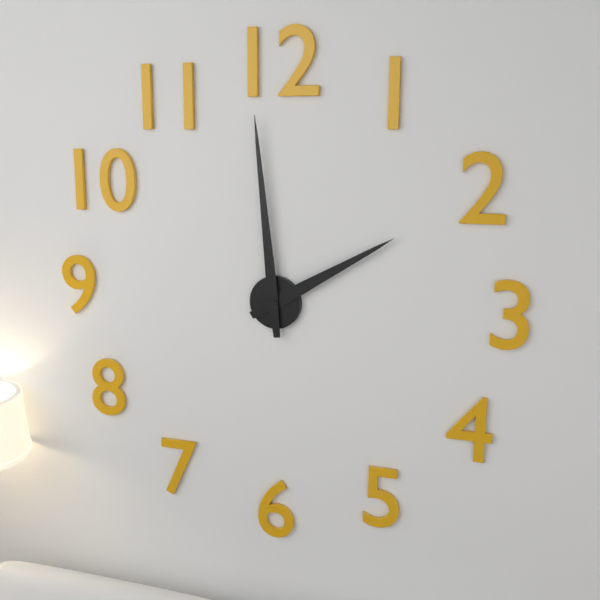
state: 1:59
